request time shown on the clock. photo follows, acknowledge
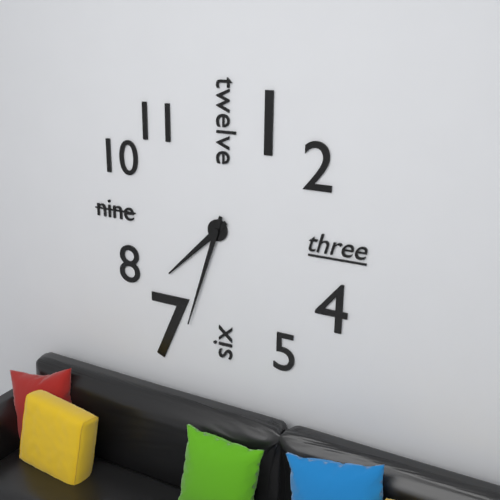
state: 7:33
